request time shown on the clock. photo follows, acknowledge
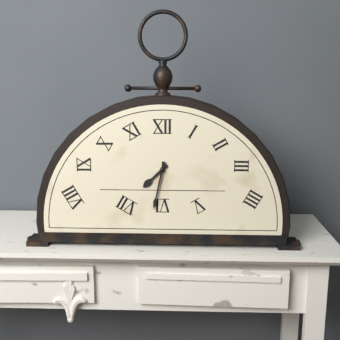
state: 7:32
